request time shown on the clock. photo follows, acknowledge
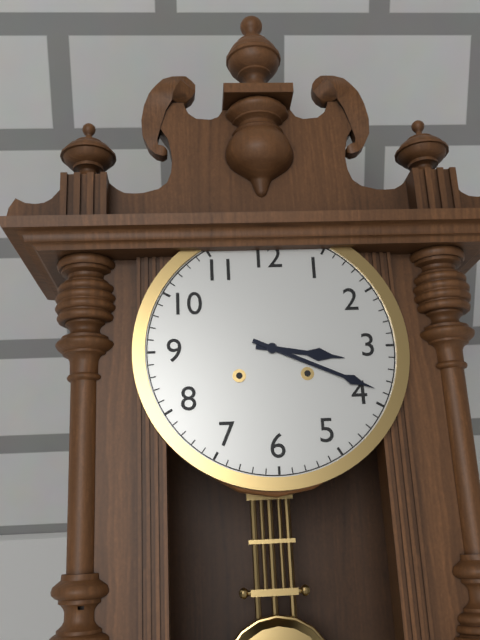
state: 3:19
